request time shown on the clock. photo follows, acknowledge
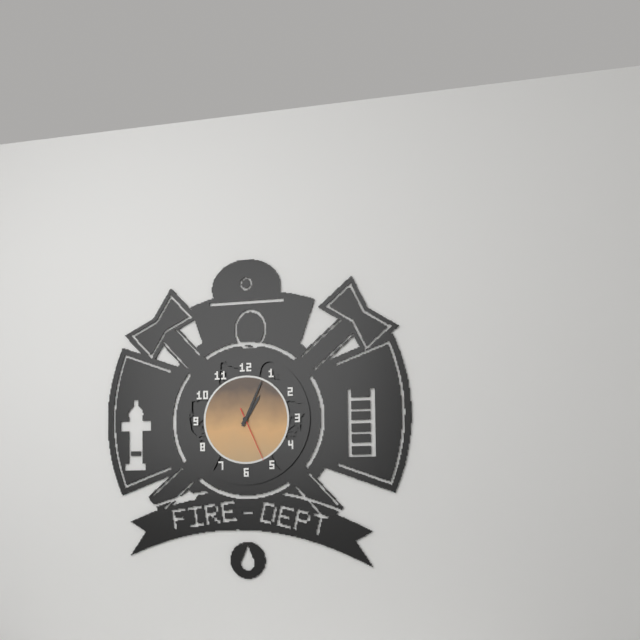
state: 1:04:26
